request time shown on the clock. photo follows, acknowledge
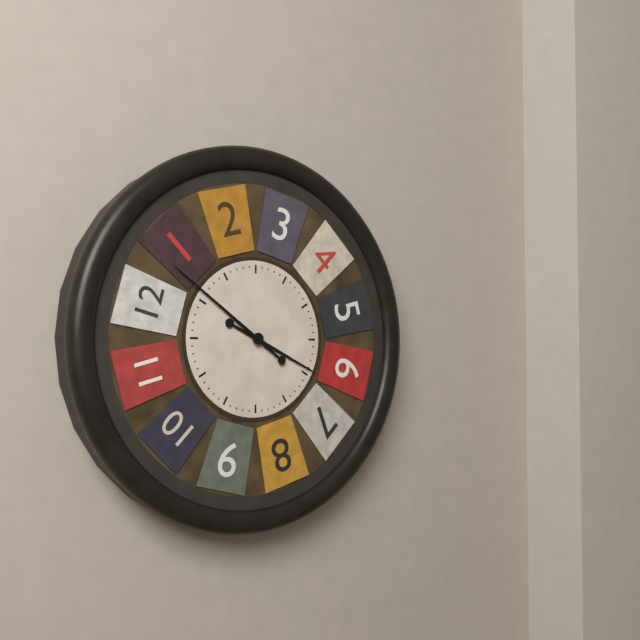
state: 3:51
